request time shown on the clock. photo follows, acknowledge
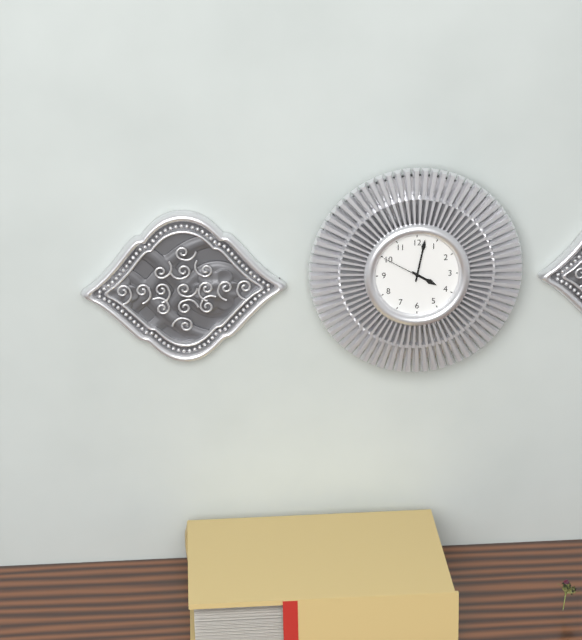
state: 4:02
